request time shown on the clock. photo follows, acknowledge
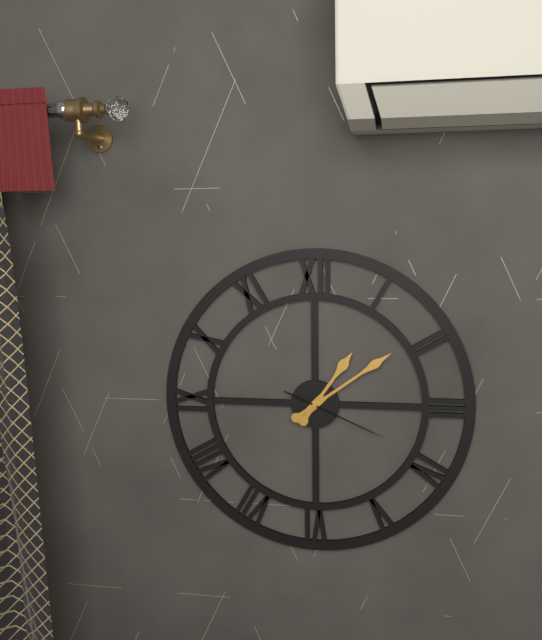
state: 1:09:19
